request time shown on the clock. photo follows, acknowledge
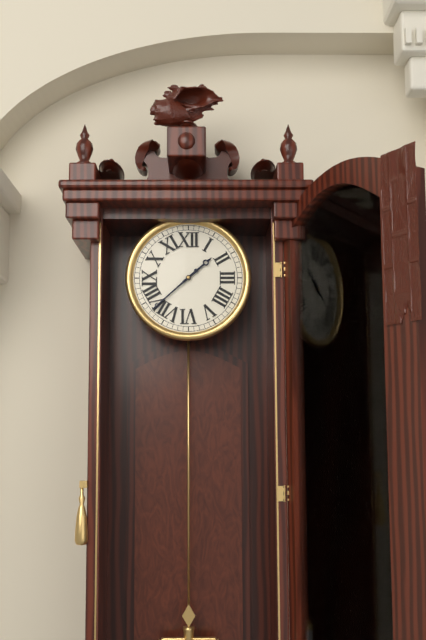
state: 1:38
